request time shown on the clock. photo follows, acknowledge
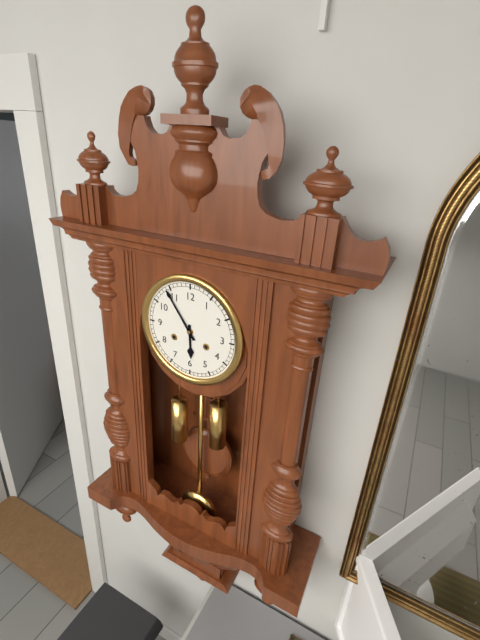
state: 5:54
